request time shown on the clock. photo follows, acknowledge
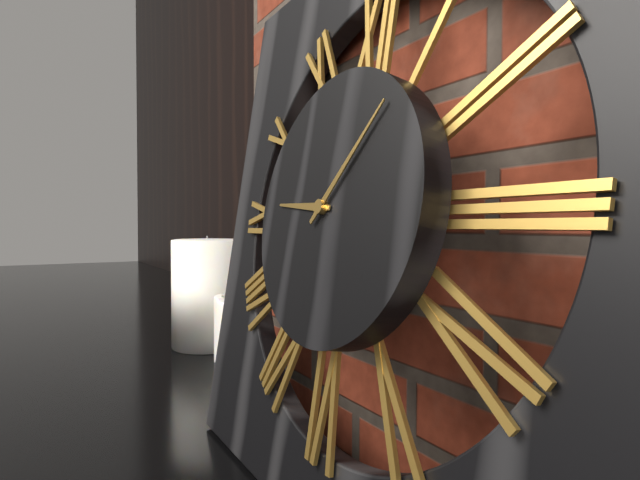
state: 9:07
